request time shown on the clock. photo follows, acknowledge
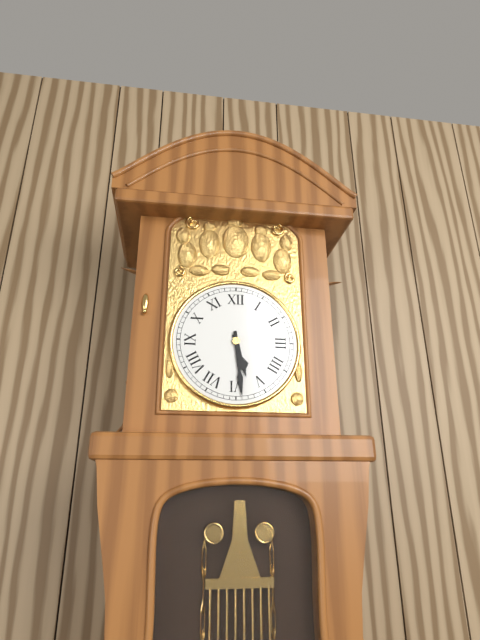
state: 5:29
